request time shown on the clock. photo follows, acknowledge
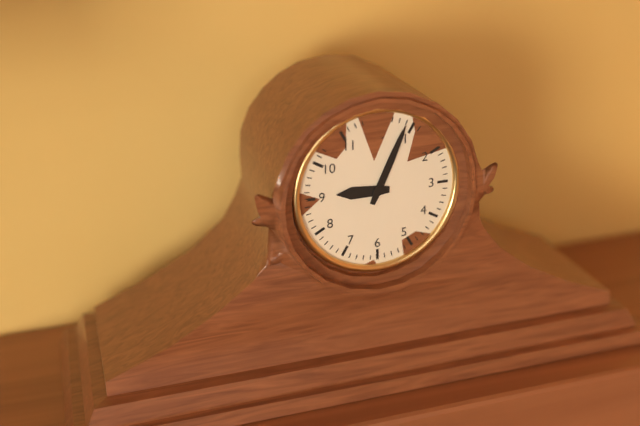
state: 9:04
